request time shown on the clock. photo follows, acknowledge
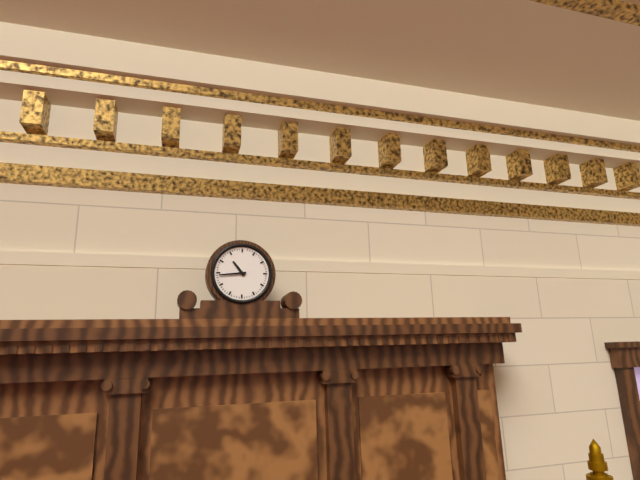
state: 10:44
